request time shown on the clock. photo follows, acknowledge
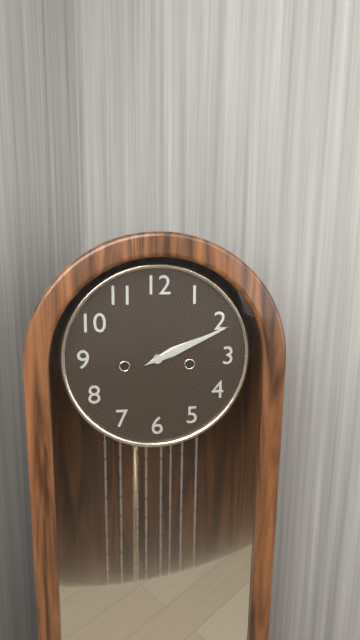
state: 2:11
